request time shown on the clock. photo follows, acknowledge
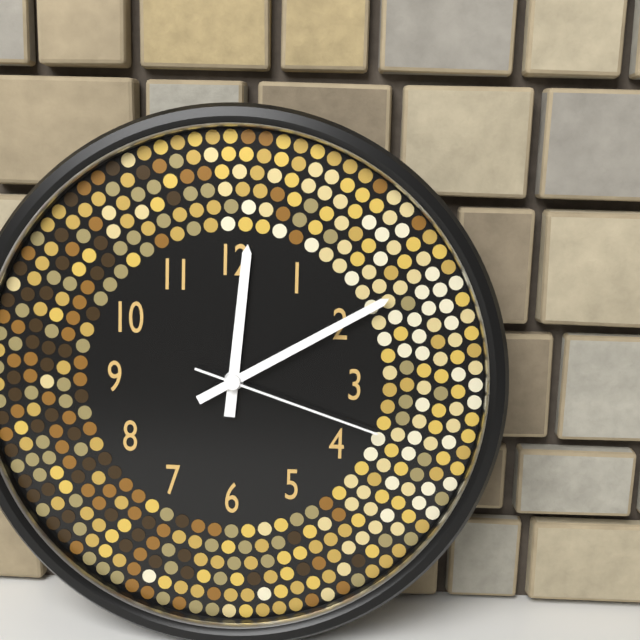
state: 12:10:18
